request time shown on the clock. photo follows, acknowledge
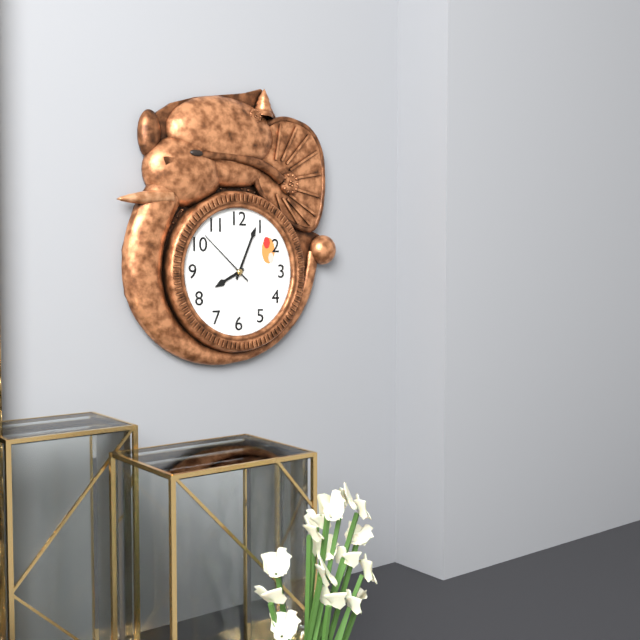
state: 8:04:52
